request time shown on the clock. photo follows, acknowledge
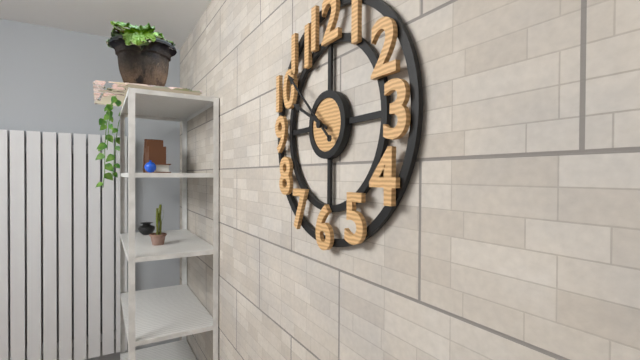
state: 9:52
